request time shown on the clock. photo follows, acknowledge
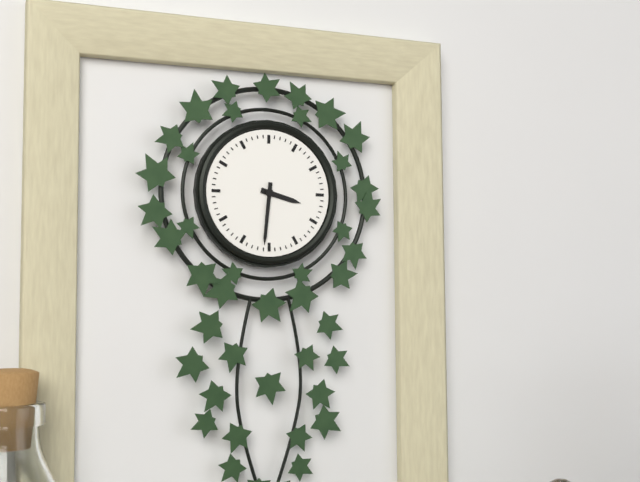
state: 3:31
